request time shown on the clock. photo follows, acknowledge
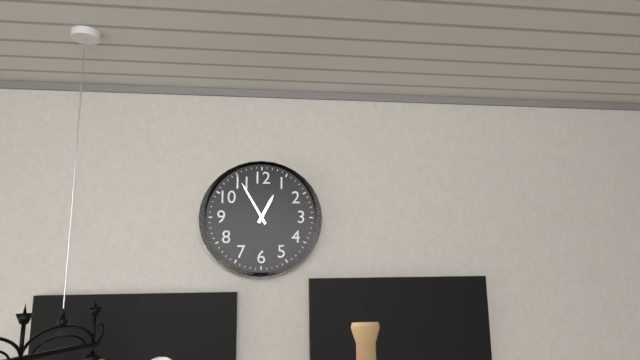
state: 12:55
